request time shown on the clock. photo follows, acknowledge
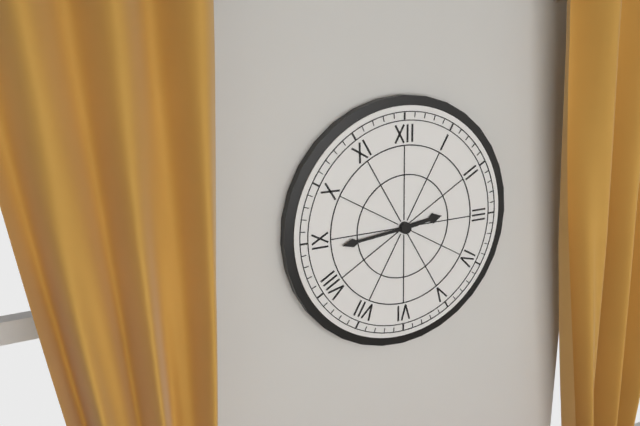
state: 2:44
